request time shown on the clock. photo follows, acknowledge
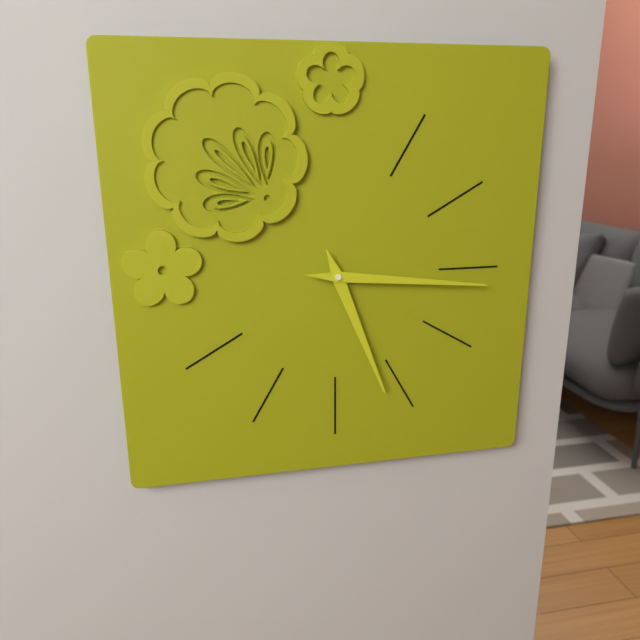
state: 5:16
